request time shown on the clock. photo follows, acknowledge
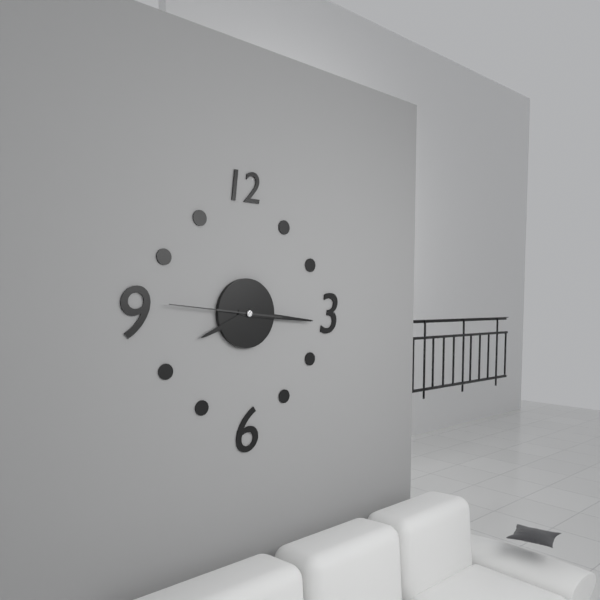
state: 8:16:46
